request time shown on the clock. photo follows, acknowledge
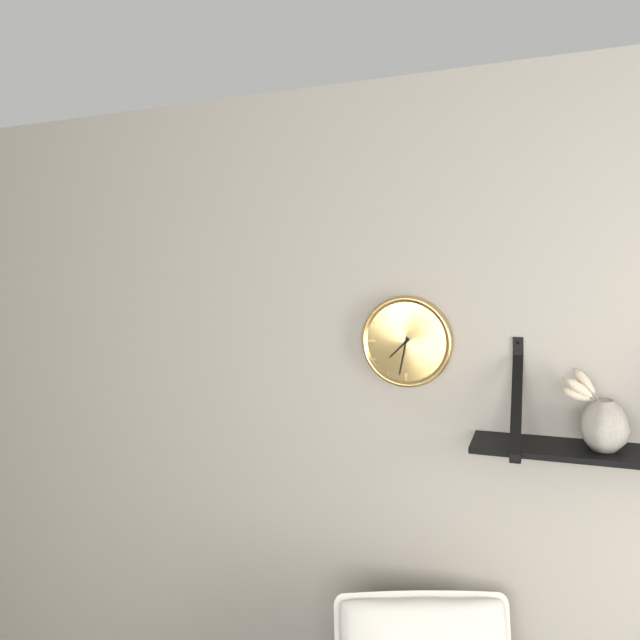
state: 7:32
